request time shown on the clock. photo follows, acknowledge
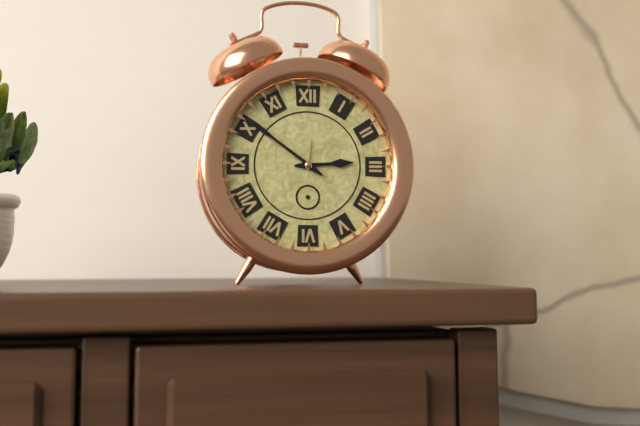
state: 2:51
